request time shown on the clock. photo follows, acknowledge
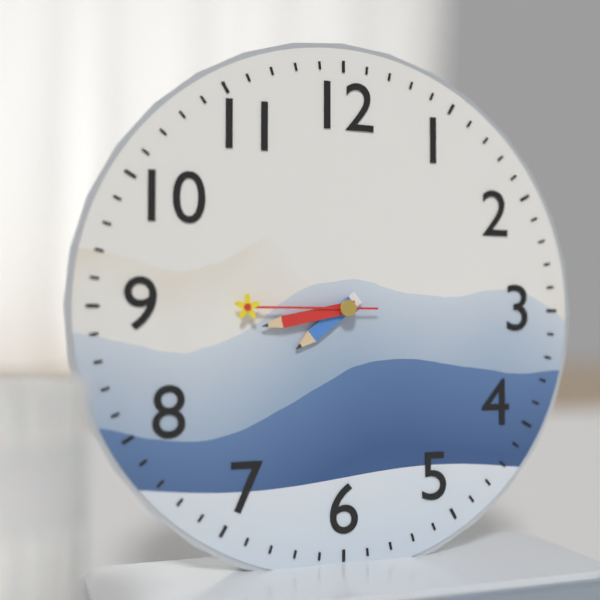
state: 7:43:45
